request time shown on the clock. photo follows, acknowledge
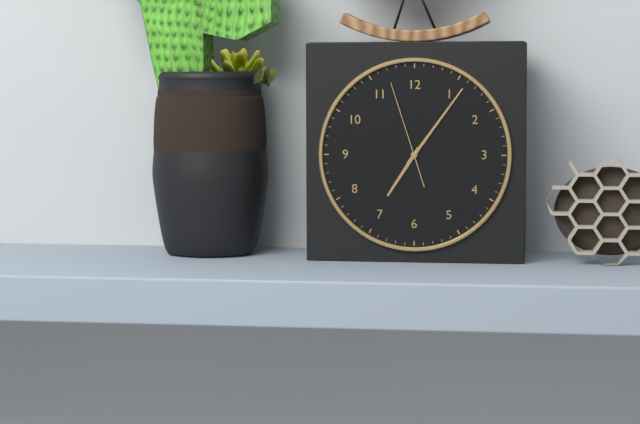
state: 7:06:57
